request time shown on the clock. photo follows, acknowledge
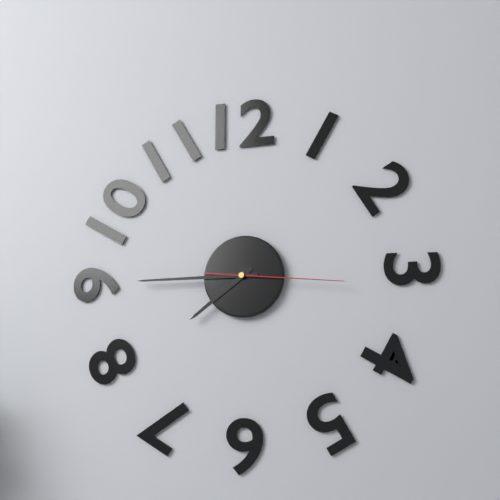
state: 7:45:16
